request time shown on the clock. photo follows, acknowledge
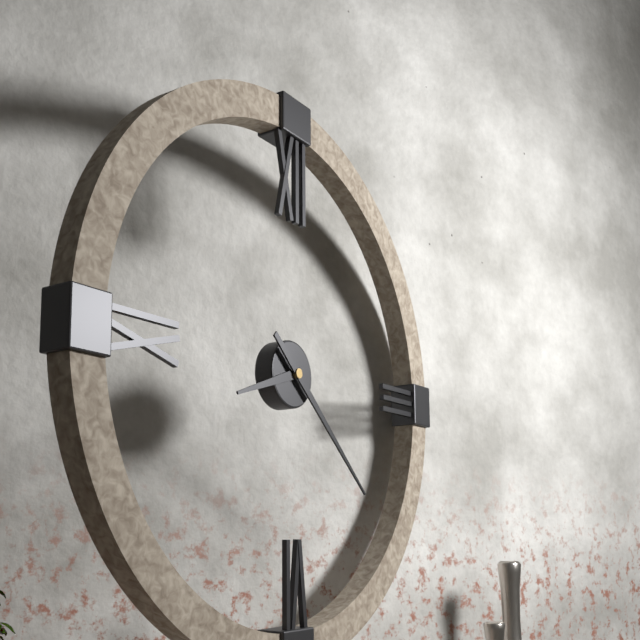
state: 8:22
